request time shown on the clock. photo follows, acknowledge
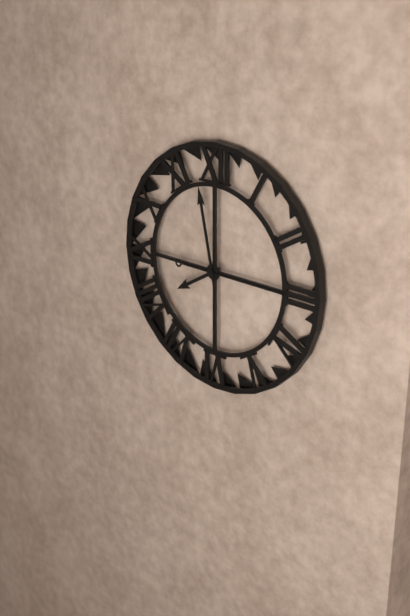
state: 7:58:15
